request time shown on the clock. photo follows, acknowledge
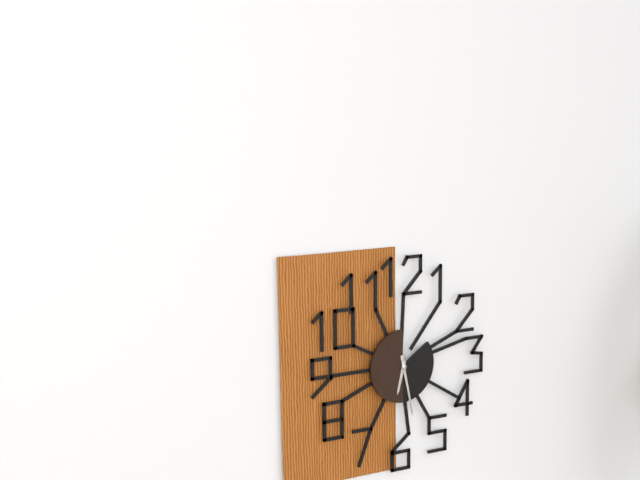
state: 6:28
